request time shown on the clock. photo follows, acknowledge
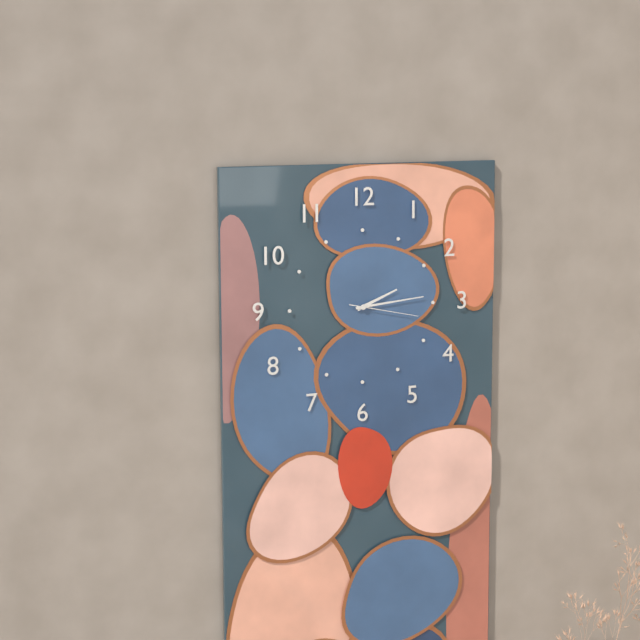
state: 2:14:17
